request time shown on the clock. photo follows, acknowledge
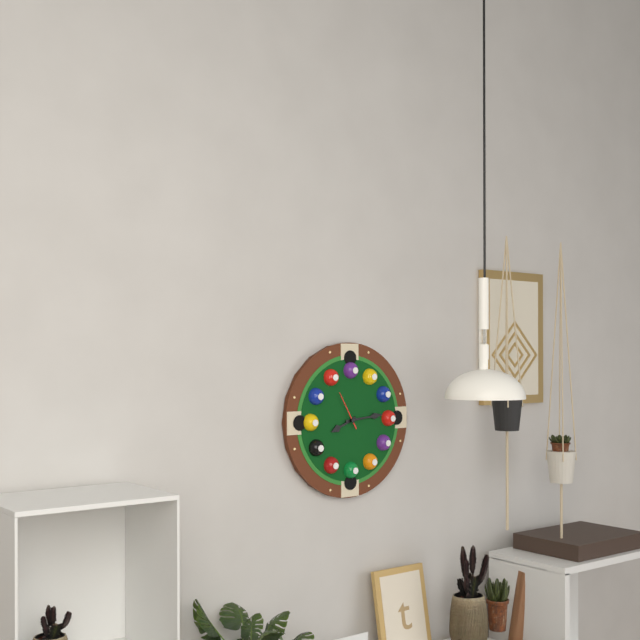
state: 8:14
